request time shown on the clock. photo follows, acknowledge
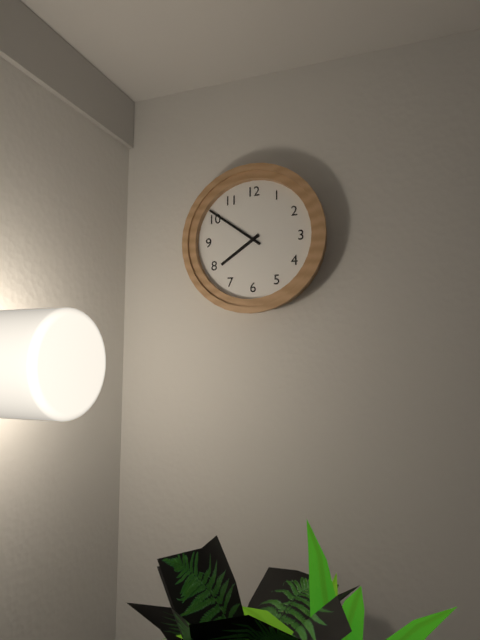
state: 7:51
